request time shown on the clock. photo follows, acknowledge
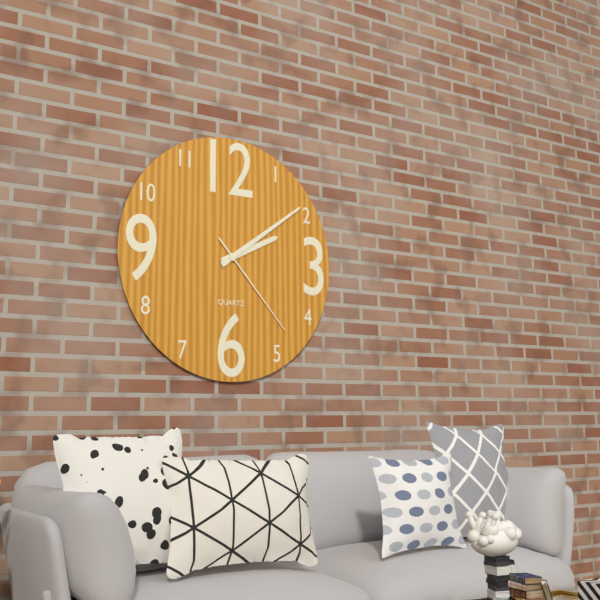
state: 2:09:23
